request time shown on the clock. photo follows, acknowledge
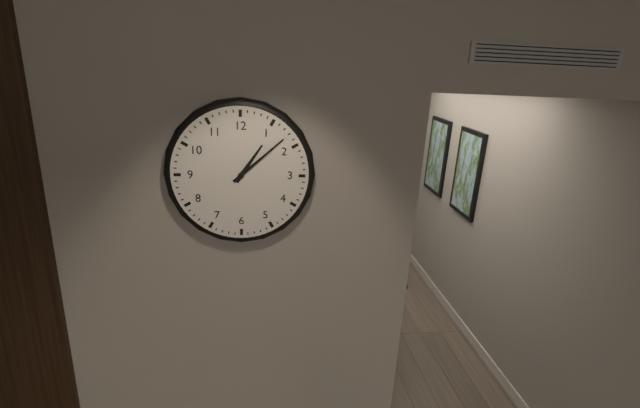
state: 1:08
